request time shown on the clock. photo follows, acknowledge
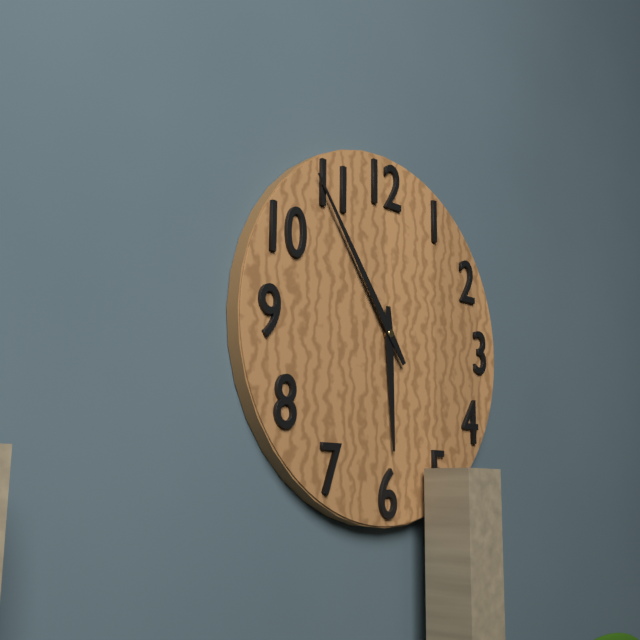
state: 5:54
